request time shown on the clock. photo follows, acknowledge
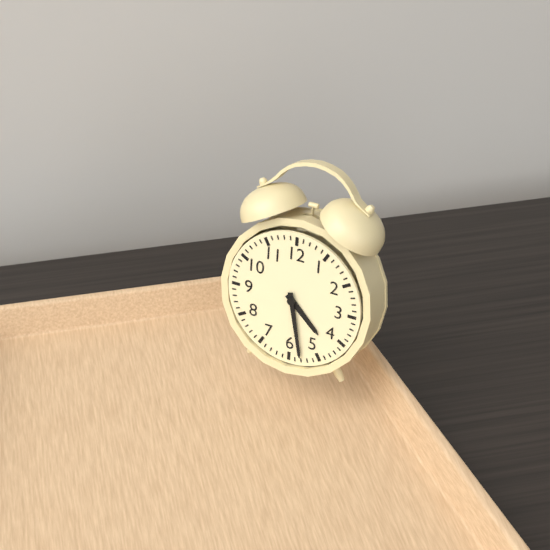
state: 4:28
